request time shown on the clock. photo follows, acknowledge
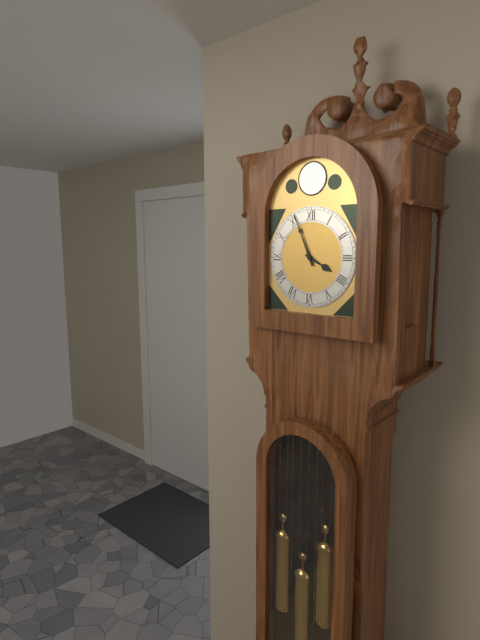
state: 3:56
